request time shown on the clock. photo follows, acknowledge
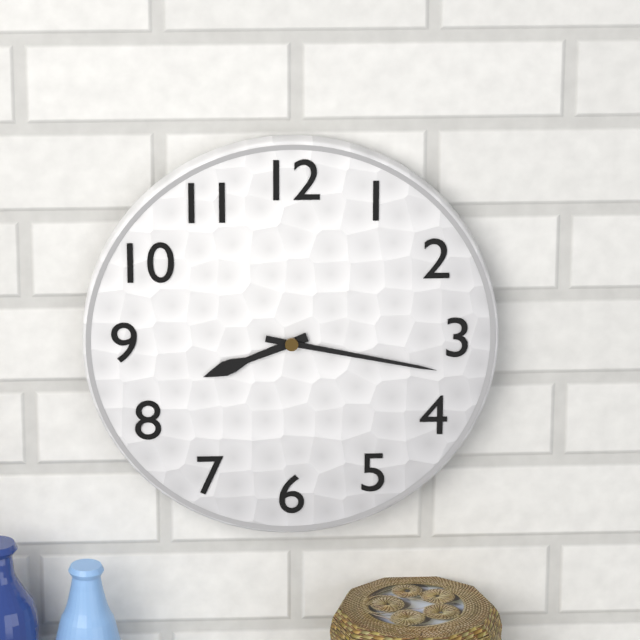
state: 8:17
